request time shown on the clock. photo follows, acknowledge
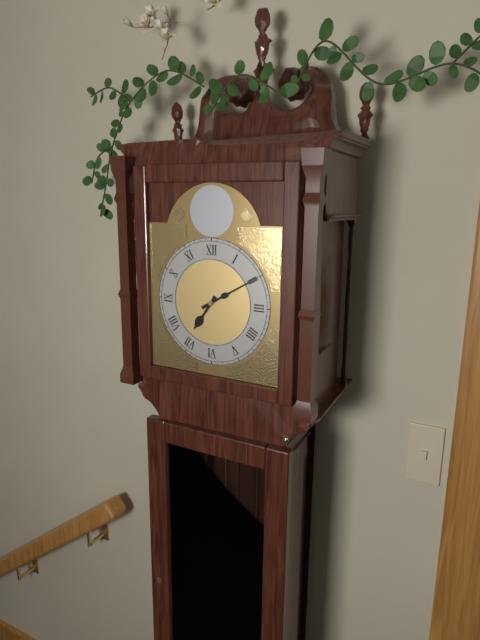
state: 7:10
